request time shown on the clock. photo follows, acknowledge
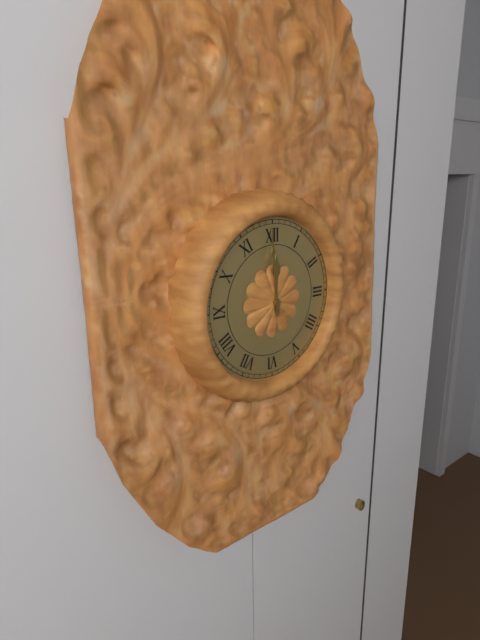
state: 11:59
